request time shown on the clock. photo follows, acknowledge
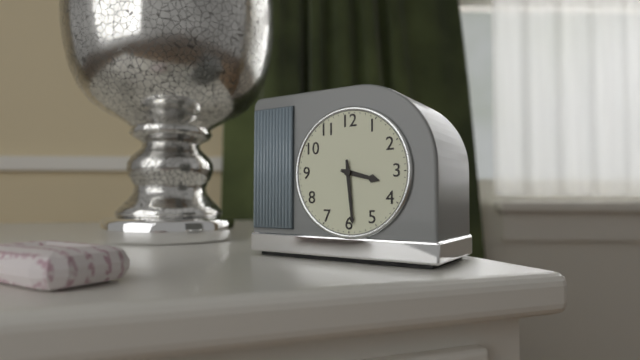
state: 3:29
